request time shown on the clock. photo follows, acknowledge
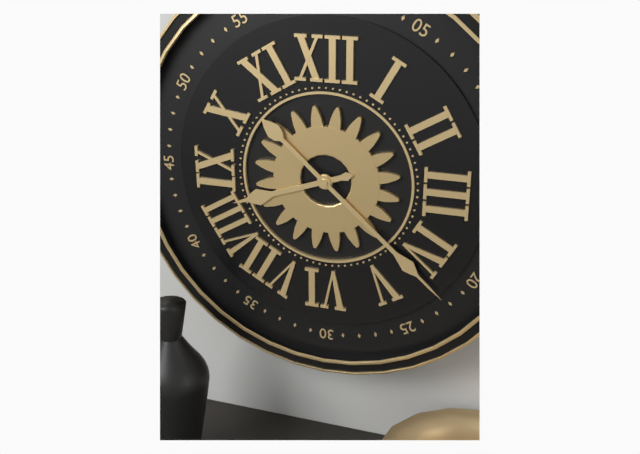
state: 8:22
